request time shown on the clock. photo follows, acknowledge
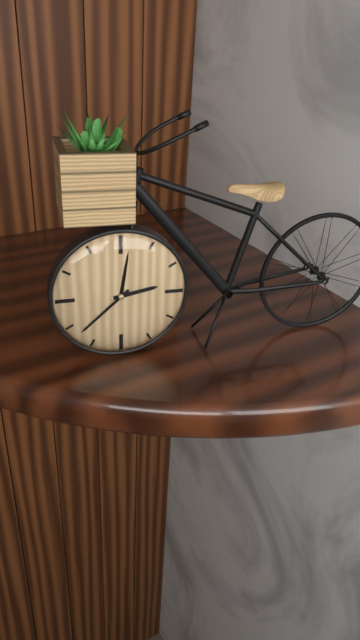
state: 2:38
